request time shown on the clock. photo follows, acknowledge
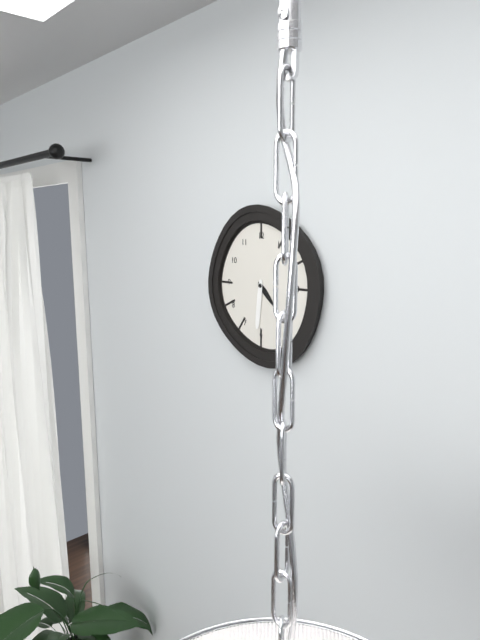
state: 4:31
